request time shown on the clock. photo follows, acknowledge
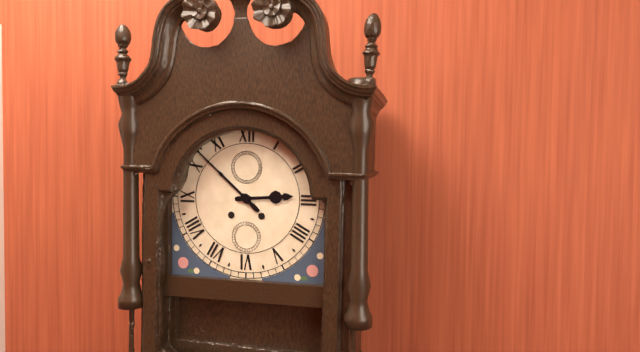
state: 2:52
